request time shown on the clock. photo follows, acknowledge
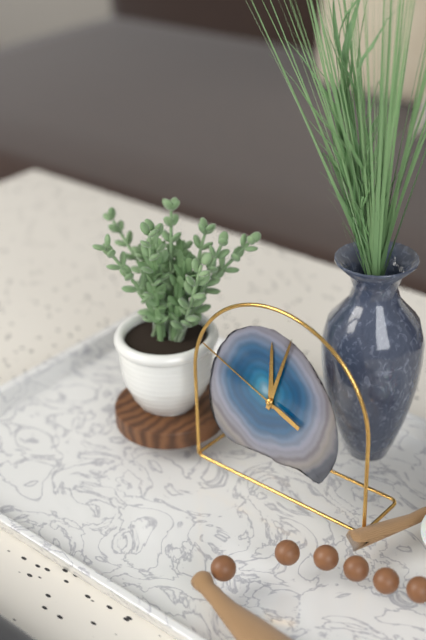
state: 12:03:49
